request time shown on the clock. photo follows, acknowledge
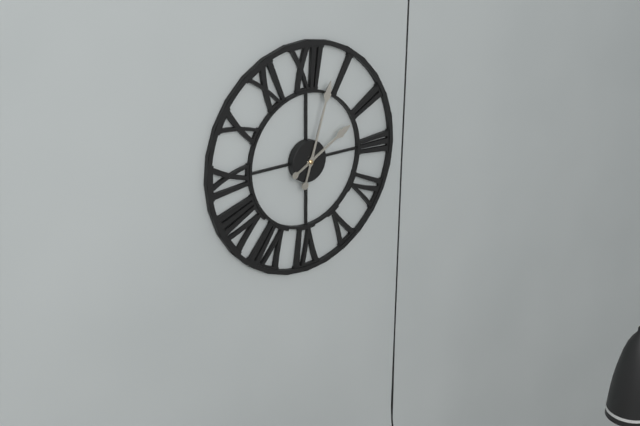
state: 2:03
